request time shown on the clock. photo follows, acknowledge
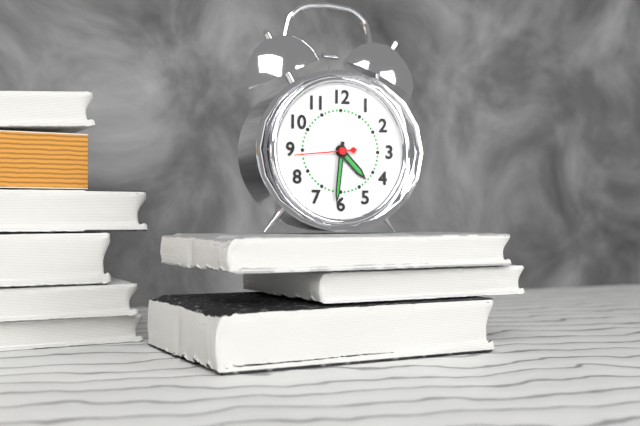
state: 4:31:44
